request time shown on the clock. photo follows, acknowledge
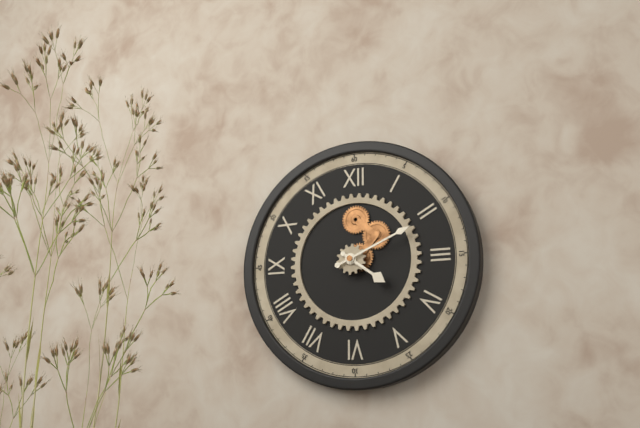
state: 4:11
